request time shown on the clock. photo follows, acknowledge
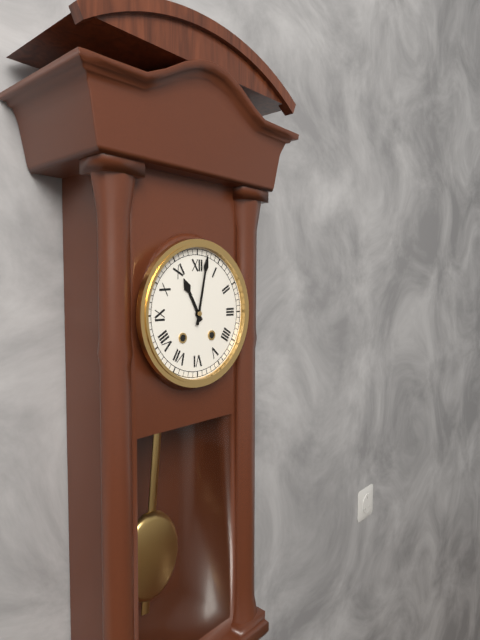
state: 11:02
